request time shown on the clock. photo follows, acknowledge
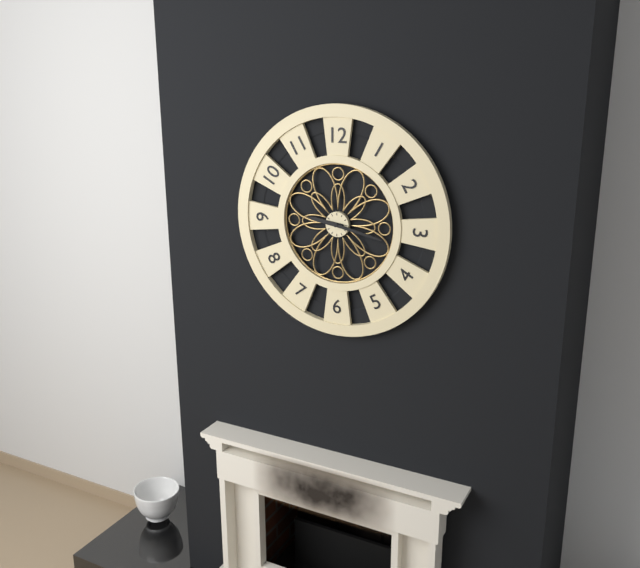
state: 9:17
